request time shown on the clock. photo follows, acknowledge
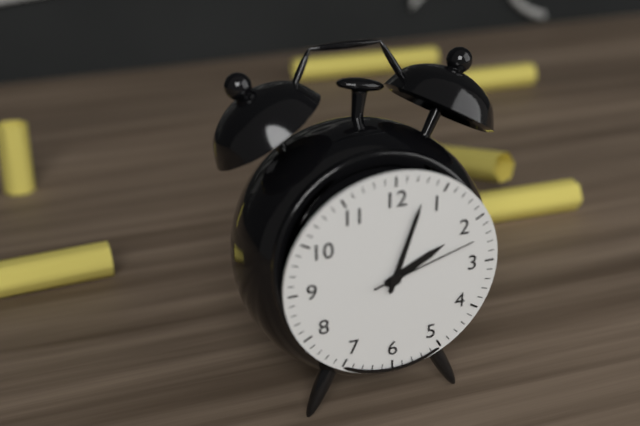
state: 2:03:12
